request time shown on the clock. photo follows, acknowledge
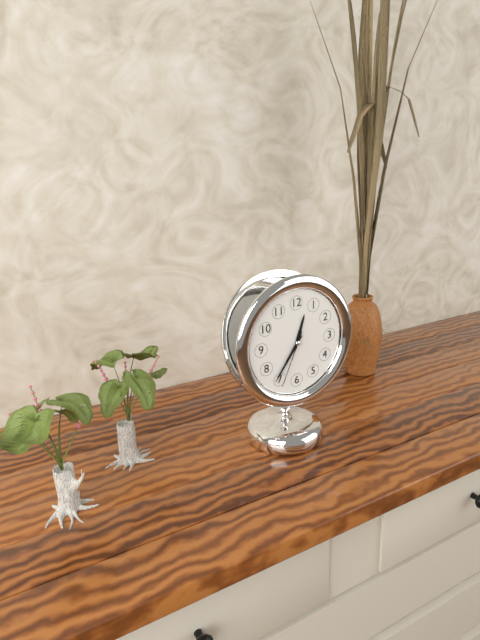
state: 12:36:34
